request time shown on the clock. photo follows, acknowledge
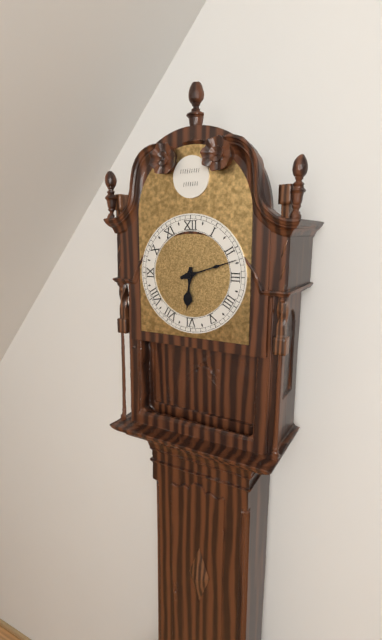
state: 6:12
